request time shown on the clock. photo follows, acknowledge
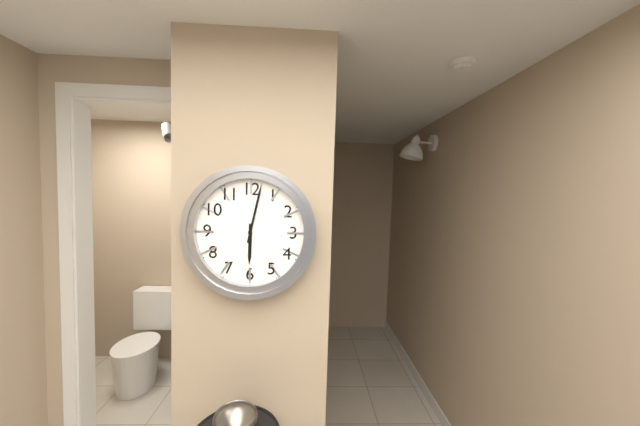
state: 6:02
